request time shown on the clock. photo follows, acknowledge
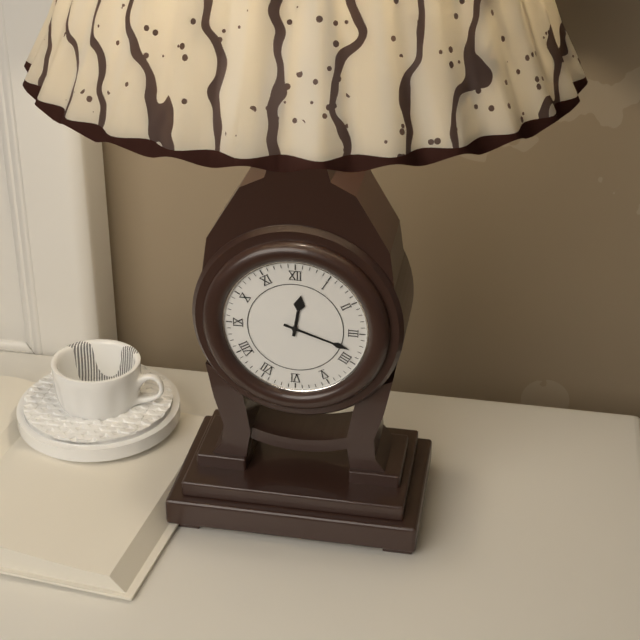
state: 12:18
